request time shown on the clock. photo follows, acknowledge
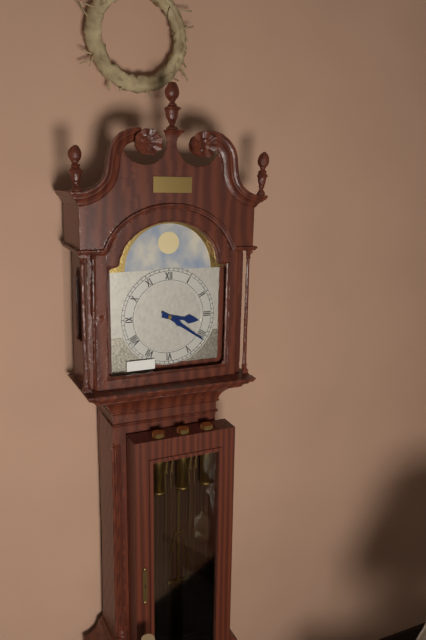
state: 3:21
